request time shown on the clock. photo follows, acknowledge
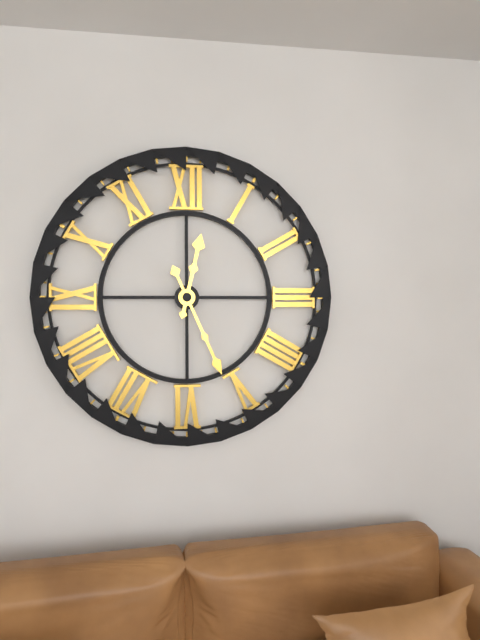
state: 12:26
